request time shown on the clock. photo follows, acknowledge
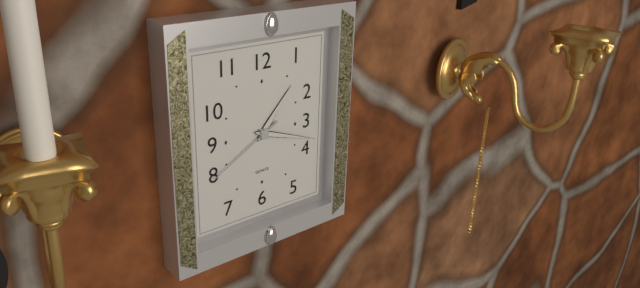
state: 1:18:40
